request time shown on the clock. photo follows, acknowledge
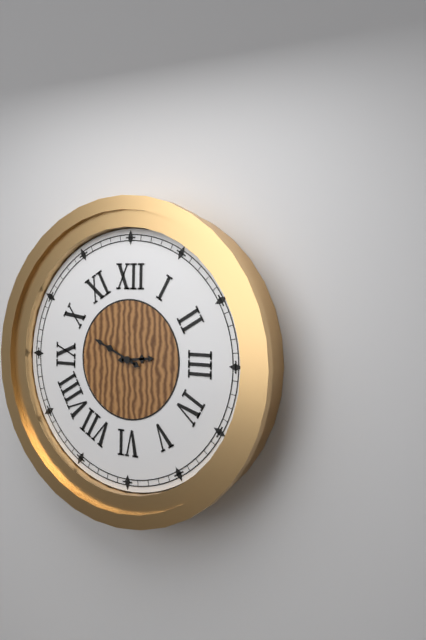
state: 2:49
